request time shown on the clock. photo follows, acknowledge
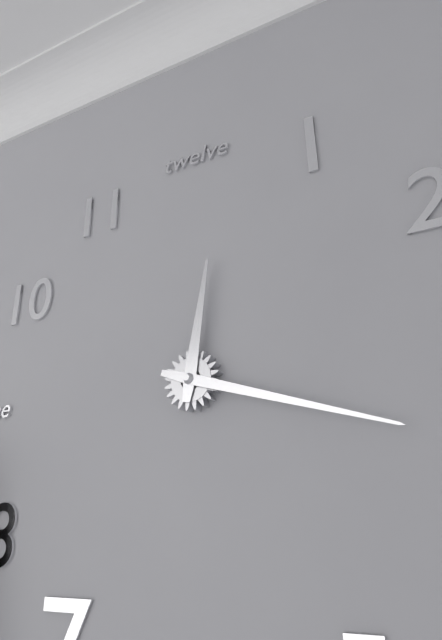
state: 12:18
